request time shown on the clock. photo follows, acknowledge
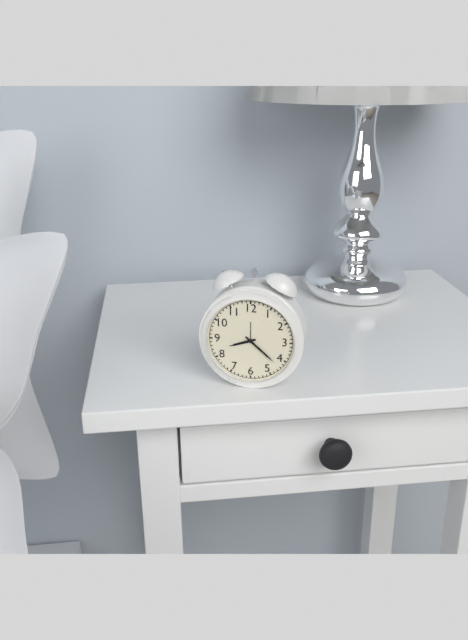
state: 8:22
